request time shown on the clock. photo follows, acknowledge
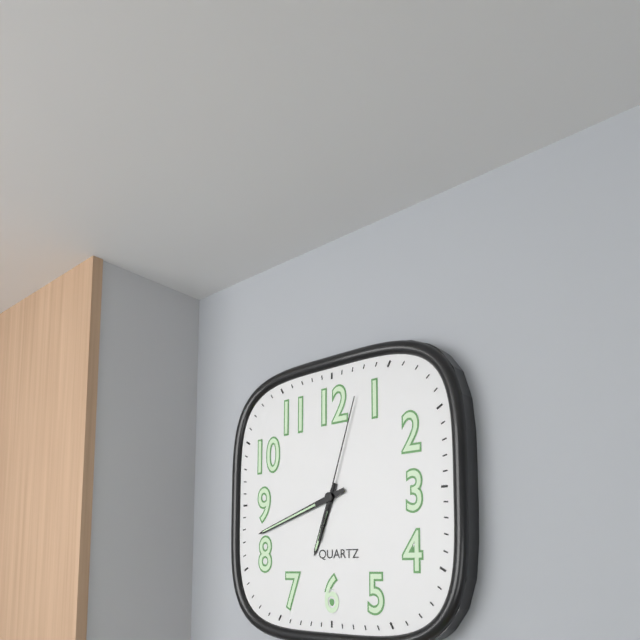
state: 6:42:03
